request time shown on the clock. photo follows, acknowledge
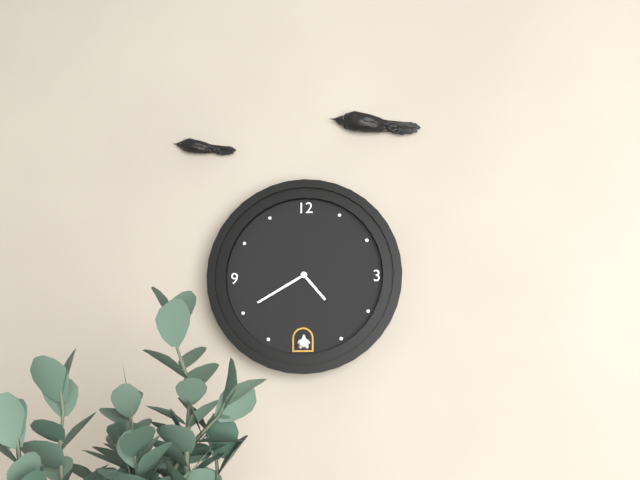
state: 4:40
